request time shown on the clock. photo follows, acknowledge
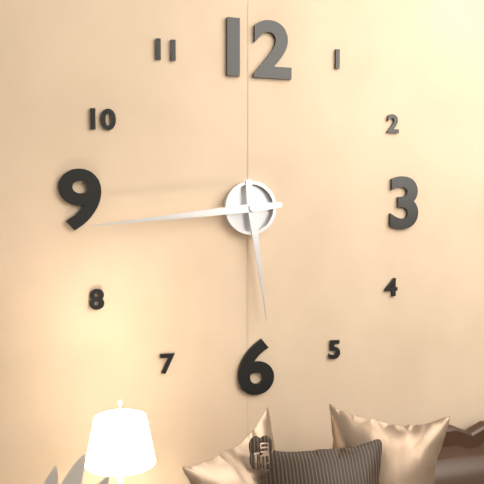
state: 5:44
